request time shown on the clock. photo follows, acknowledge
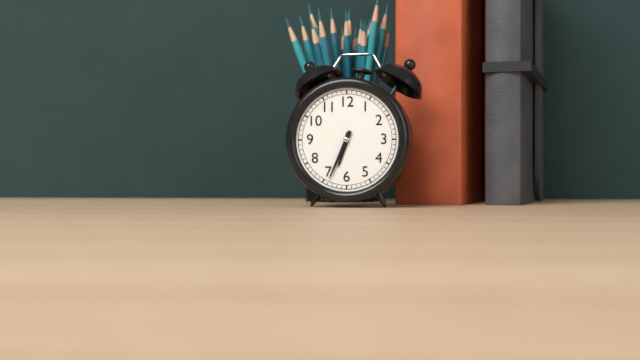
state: 6:34
